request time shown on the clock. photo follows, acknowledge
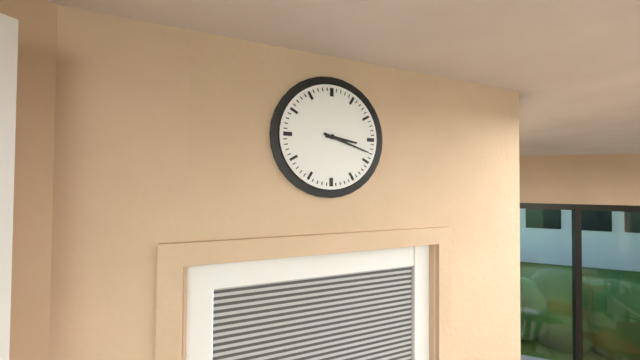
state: 3:18
